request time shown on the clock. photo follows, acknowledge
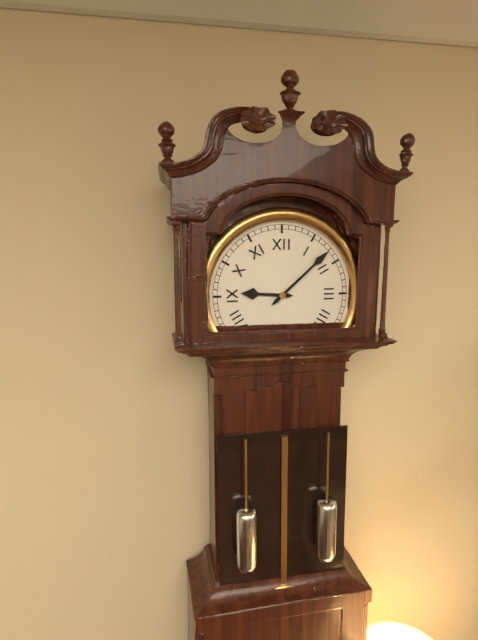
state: 9:08
